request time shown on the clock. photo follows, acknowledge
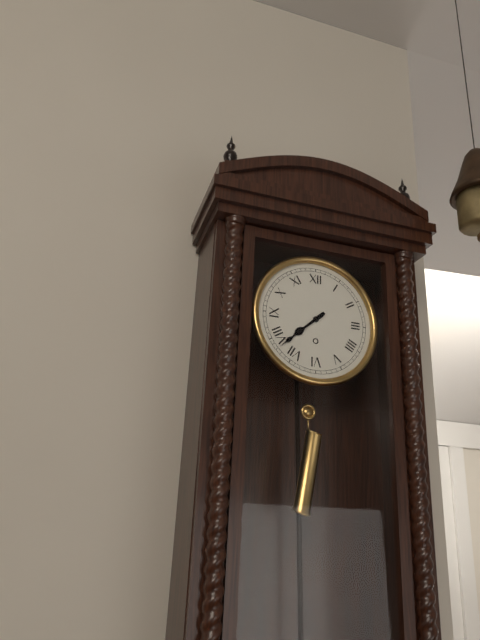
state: 7:38
